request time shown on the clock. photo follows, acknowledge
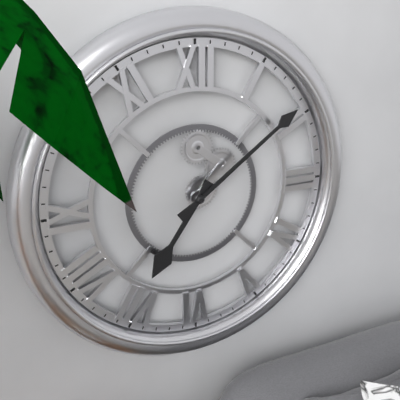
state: 7:09
